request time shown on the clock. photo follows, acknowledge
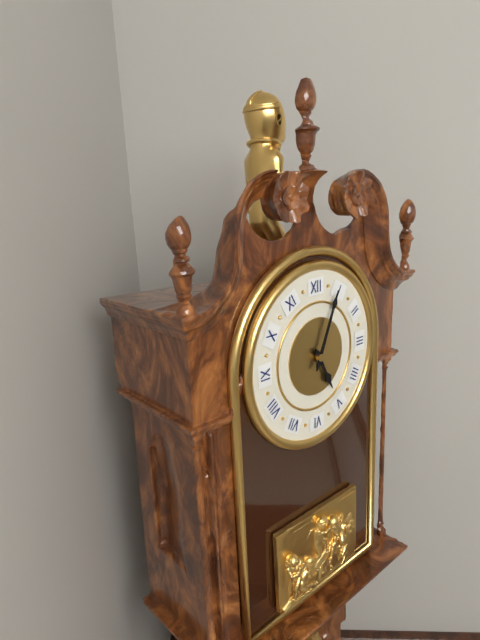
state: 5:04
